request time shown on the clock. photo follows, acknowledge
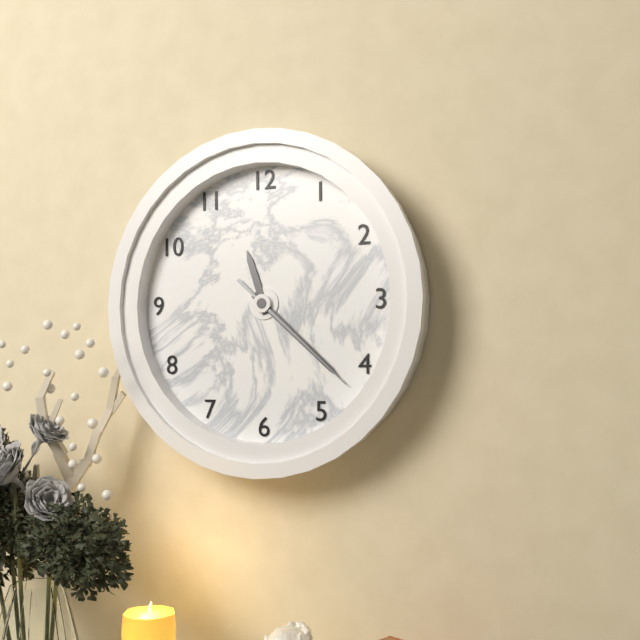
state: 11:22:22
